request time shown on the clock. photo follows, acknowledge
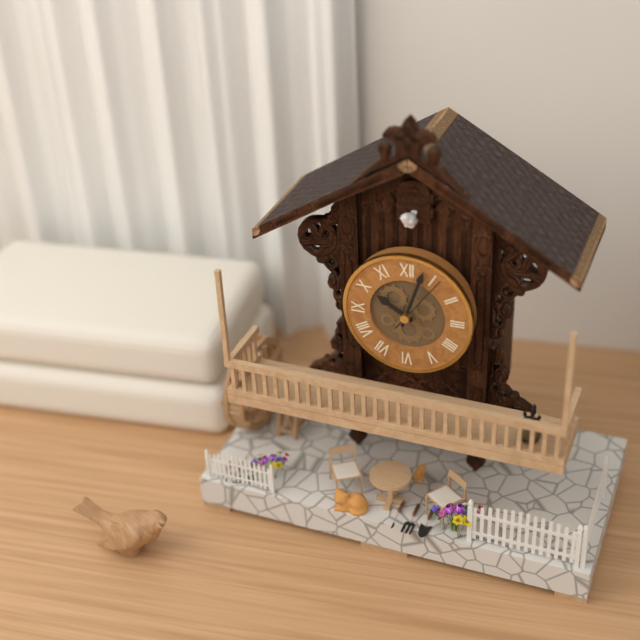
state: 10:03
